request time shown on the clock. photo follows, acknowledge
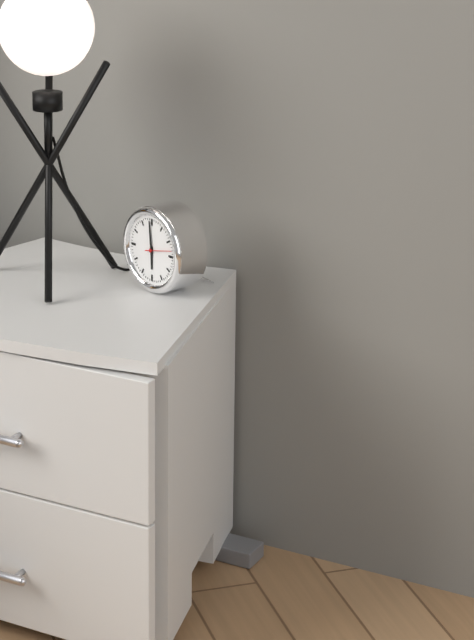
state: 5:59
